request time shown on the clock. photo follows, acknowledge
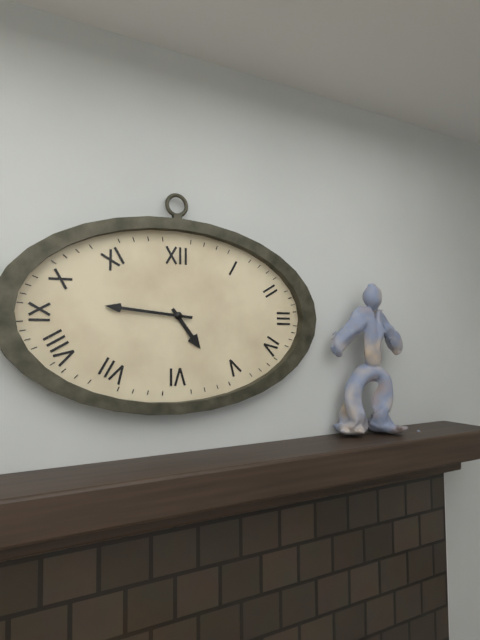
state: 4:46
